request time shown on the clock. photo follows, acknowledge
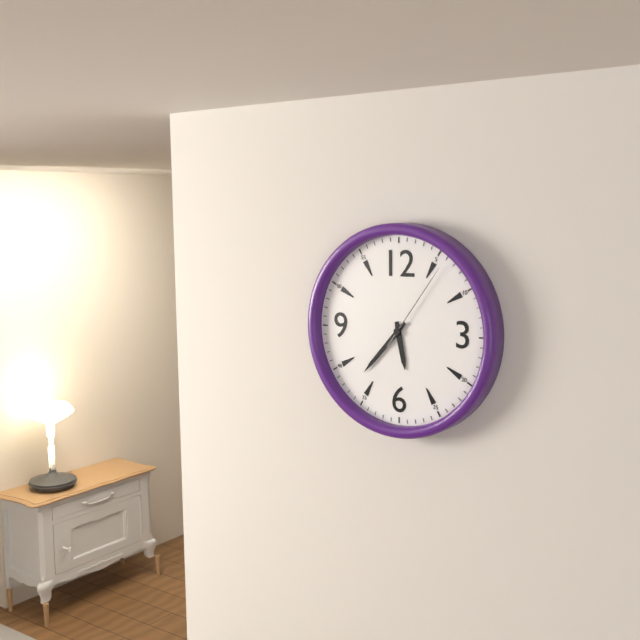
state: 5:37:06
